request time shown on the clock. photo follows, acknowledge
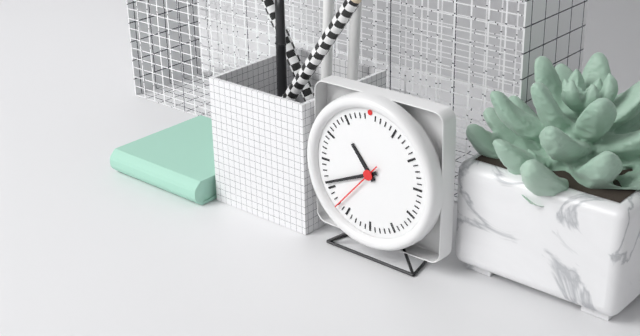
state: 10:41:37
